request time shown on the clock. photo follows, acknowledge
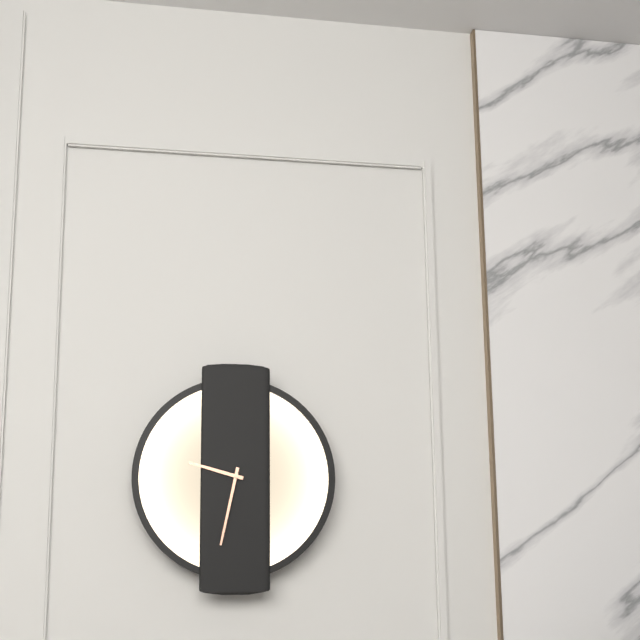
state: 9:32
